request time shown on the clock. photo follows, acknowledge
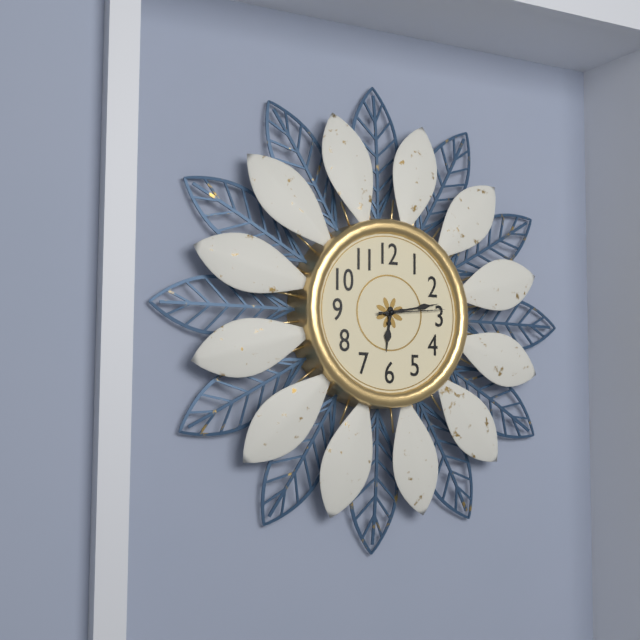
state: 6:13:14
